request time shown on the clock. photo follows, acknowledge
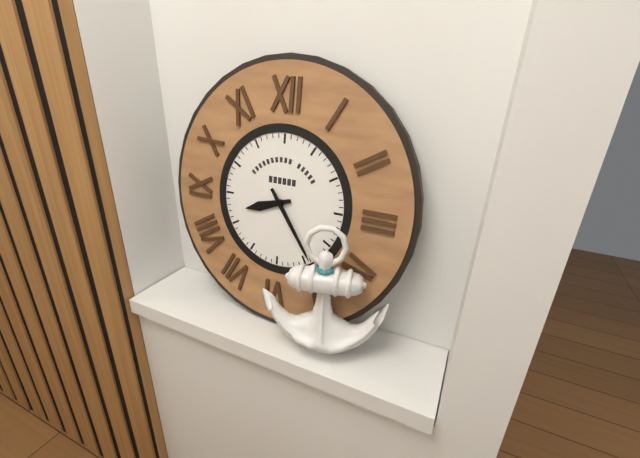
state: 8:24
